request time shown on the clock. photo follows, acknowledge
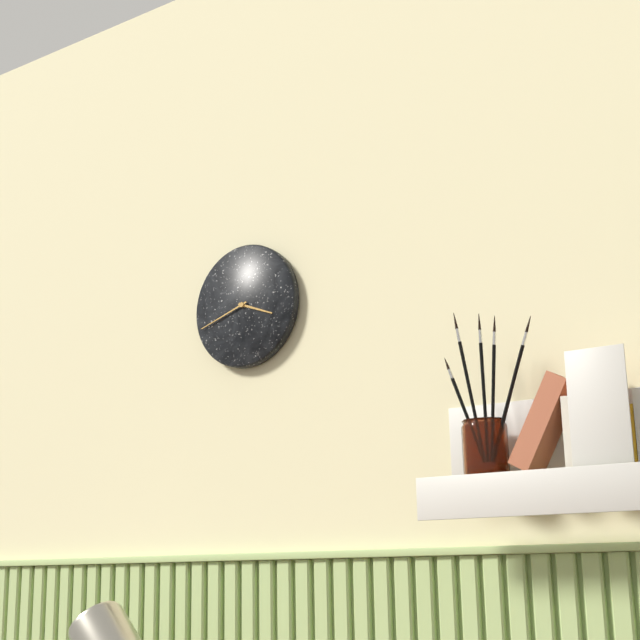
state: 3:42
